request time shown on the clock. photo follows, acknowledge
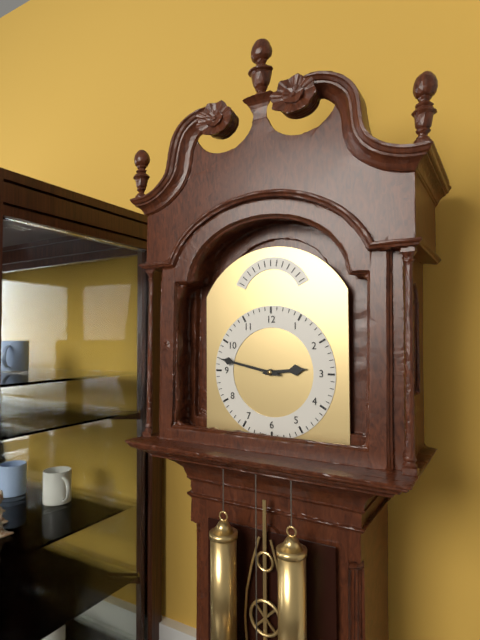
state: 2:47
